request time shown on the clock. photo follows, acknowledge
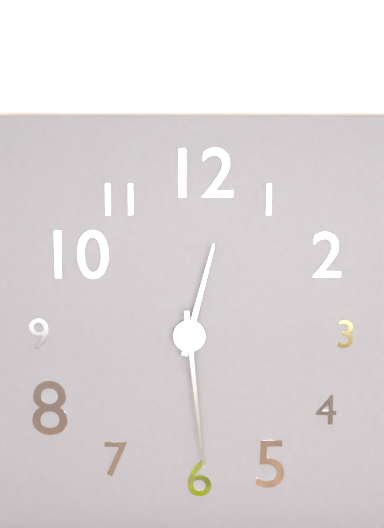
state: 12:29
